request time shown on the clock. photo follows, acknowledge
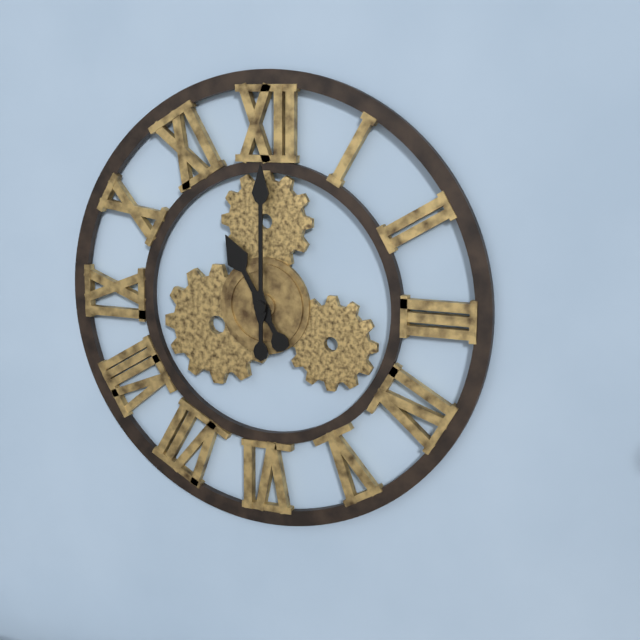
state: 11:00
